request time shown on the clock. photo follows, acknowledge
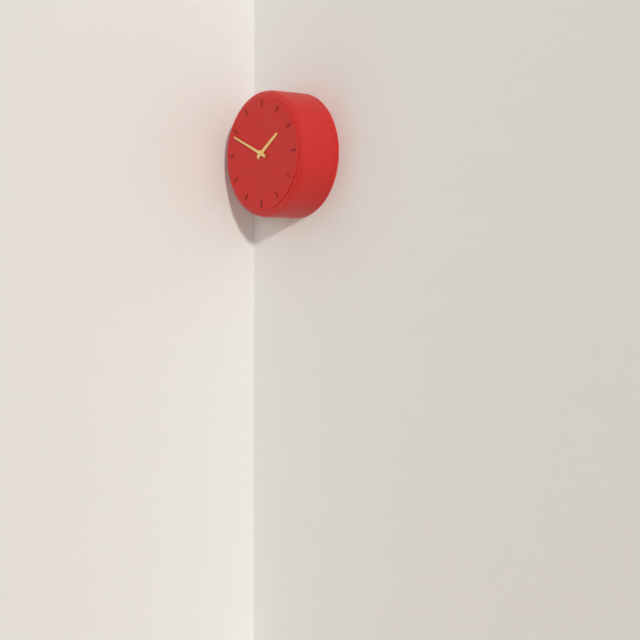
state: 1:49
